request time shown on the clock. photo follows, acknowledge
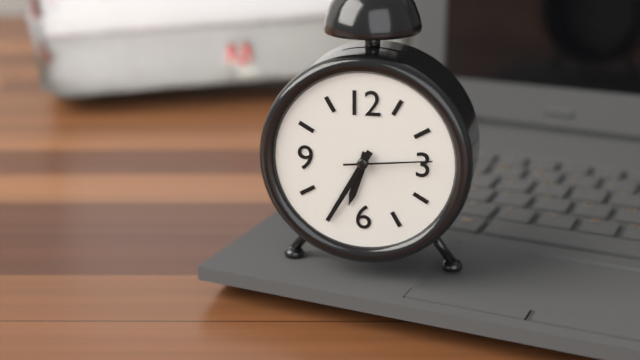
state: 6:35:14
